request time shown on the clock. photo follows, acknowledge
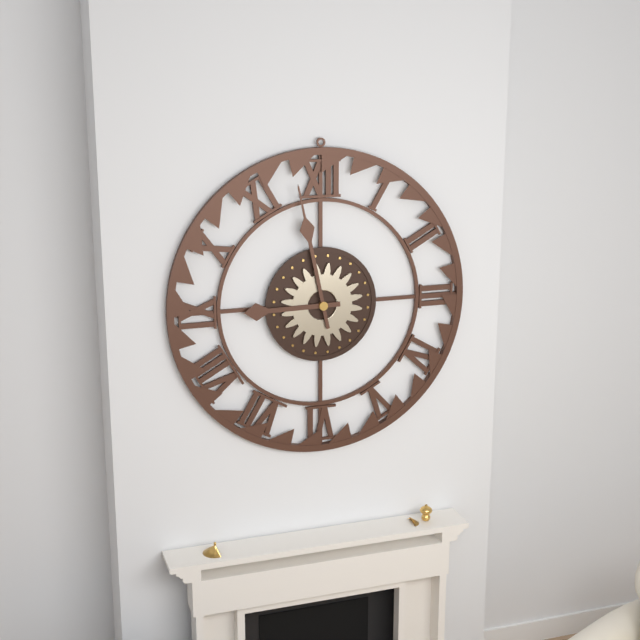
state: 8:58
